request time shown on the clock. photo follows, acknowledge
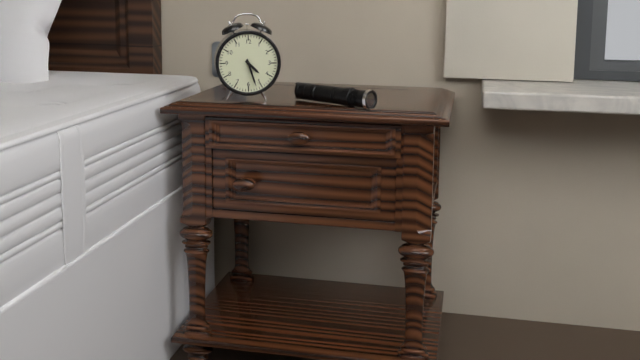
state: 4:27
